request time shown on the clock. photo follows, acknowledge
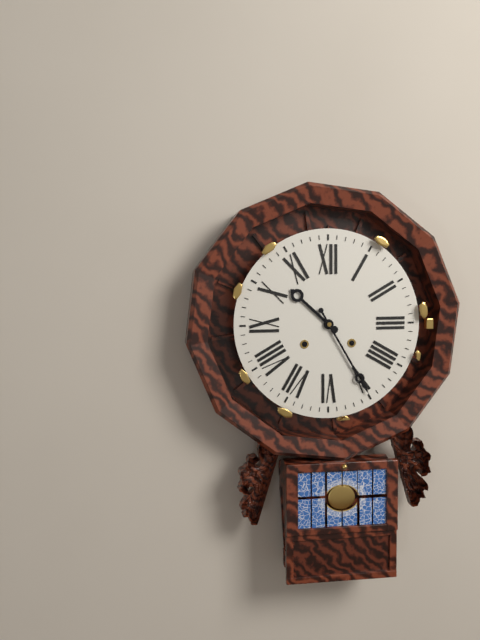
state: 10:25
